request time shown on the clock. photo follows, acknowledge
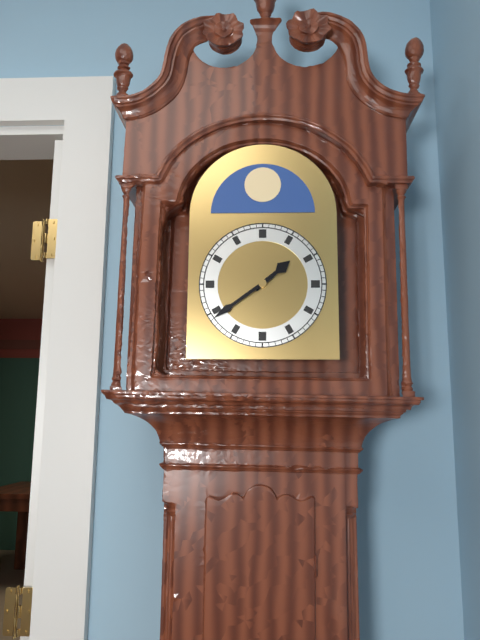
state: 1:39
